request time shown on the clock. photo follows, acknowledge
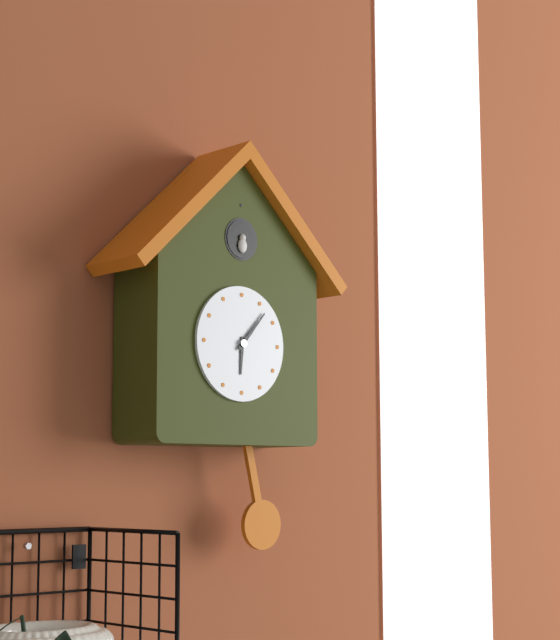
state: 6:07
